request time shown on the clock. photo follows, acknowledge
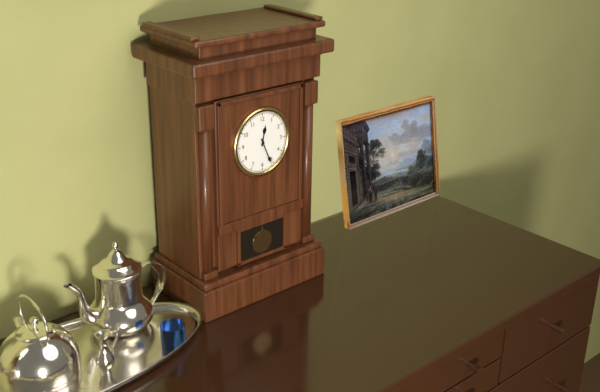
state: 12:26
